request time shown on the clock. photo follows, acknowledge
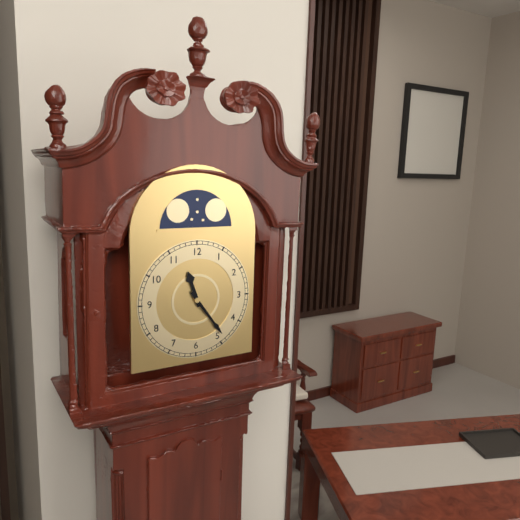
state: 11:24
